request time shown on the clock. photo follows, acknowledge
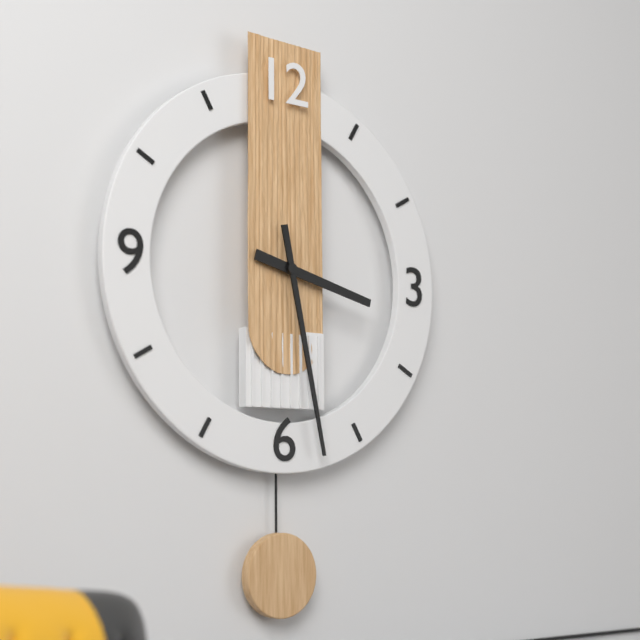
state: 3:28
